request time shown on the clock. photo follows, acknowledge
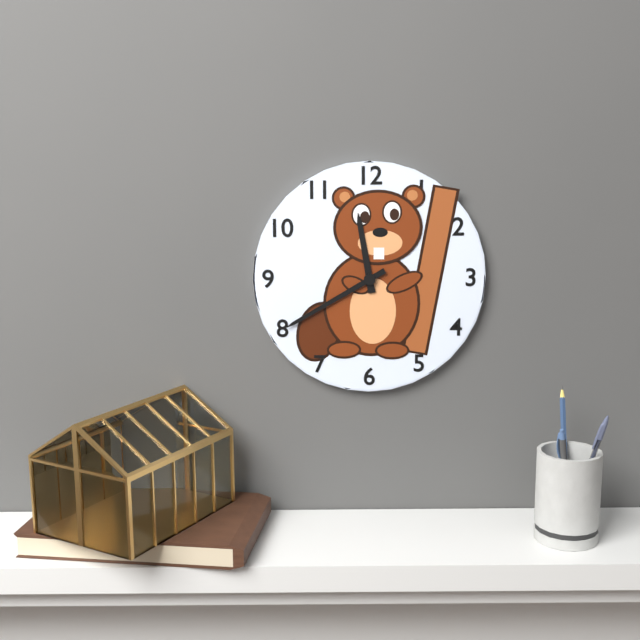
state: 11:40
